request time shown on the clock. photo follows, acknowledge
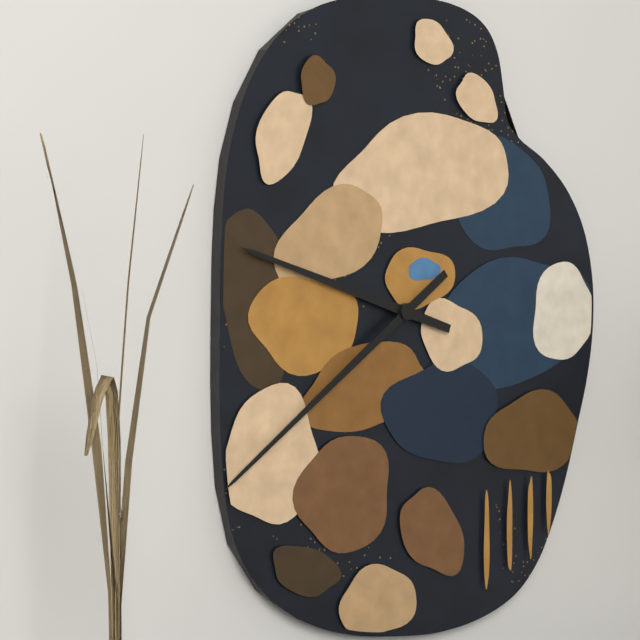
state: 9:39
